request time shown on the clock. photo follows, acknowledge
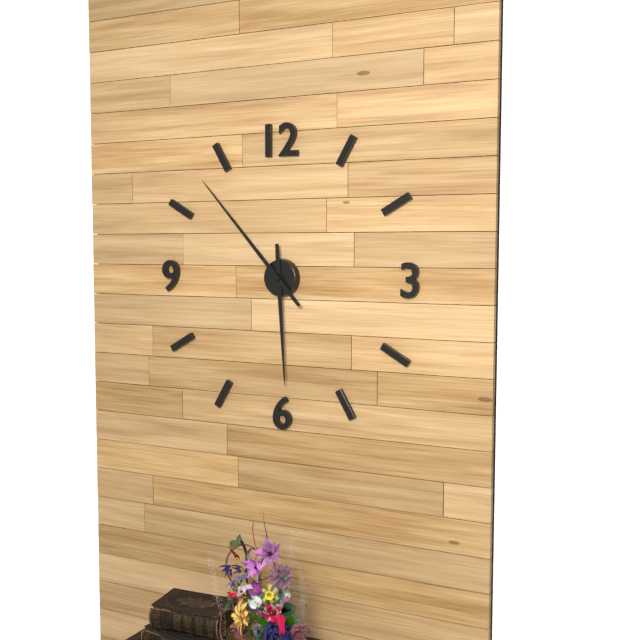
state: 5:53
